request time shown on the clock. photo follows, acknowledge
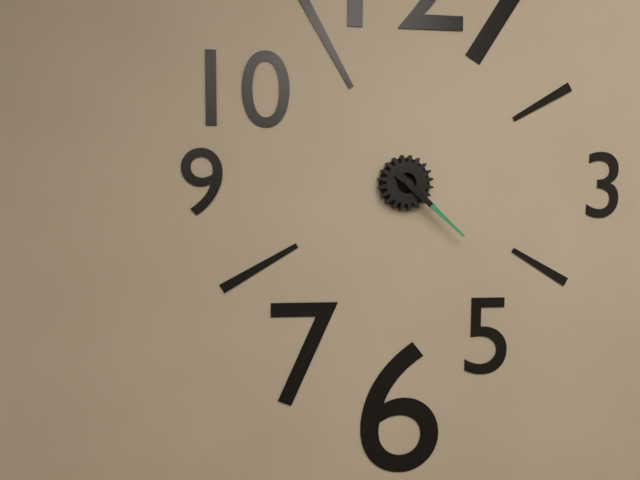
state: 4:22
